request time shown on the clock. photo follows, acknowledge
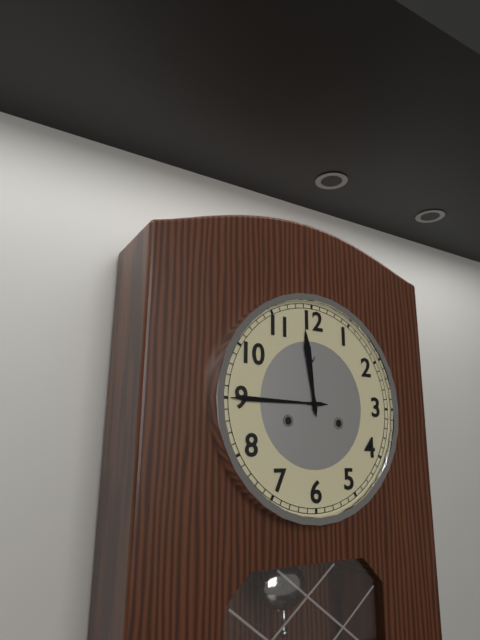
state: 11:45
